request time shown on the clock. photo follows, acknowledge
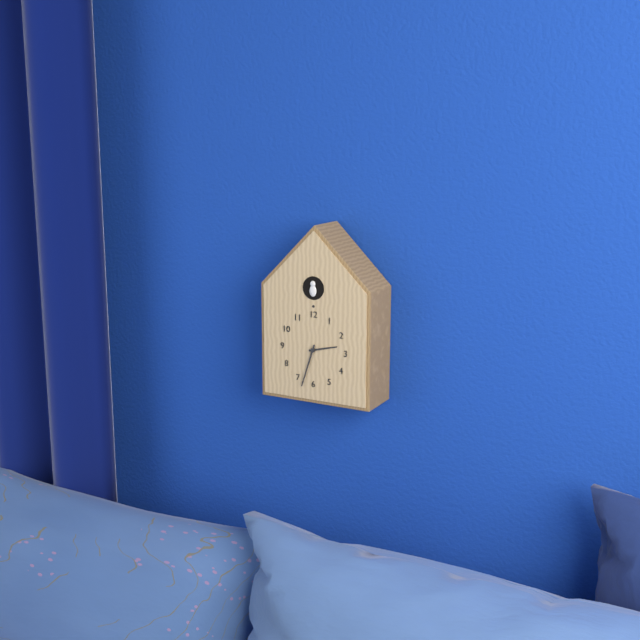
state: 2:33
